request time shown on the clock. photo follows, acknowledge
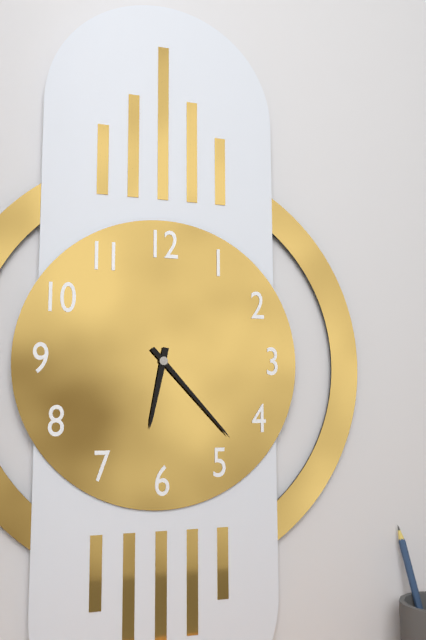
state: 6:23
